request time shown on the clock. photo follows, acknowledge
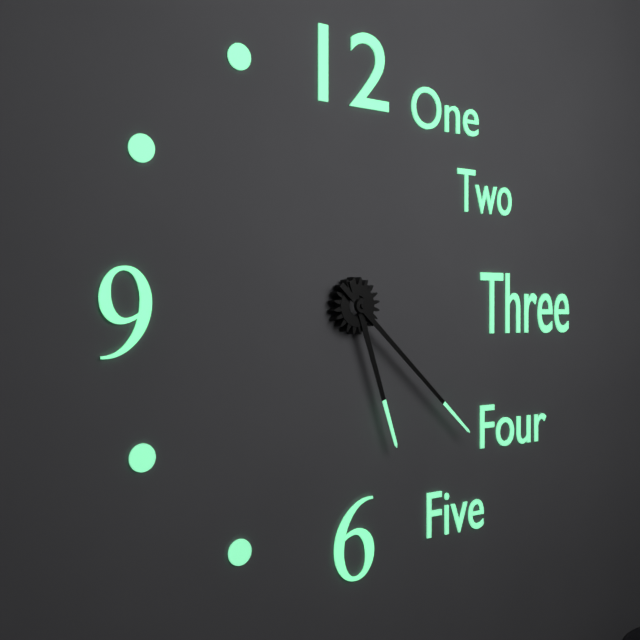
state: 5:22
